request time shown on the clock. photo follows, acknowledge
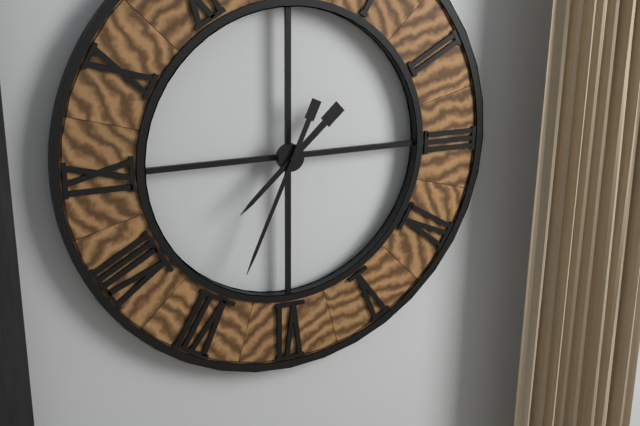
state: 7:34
